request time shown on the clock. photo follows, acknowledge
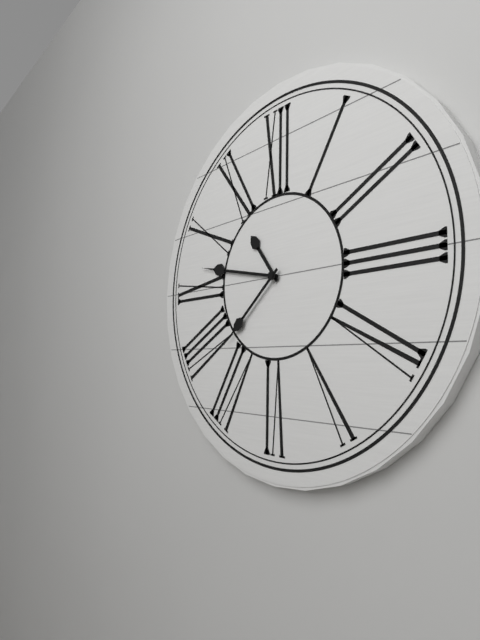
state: 10:47:38
